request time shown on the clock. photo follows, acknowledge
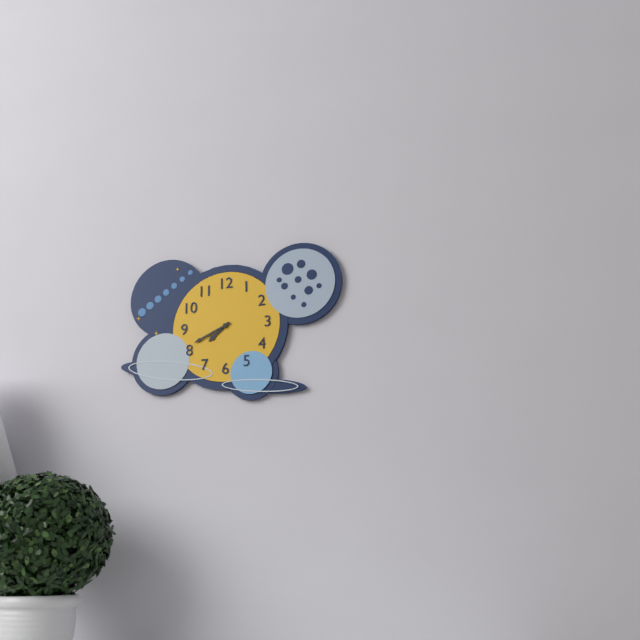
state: 7:41
